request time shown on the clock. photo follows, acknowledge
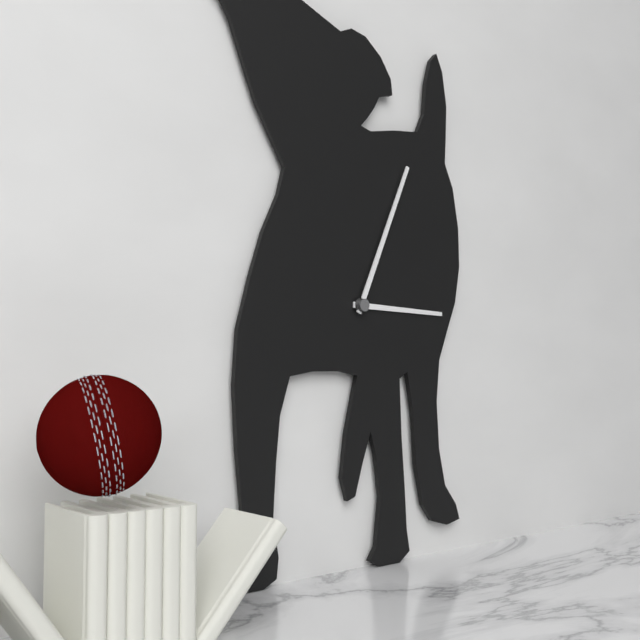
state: 3:04
